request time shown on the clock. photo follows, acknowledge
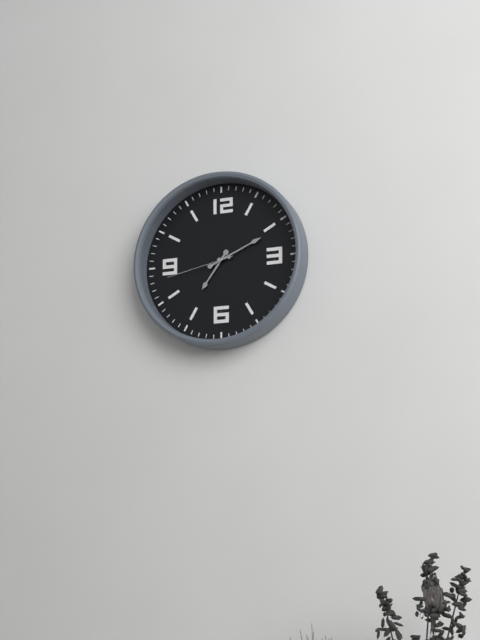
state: 7:11:43
